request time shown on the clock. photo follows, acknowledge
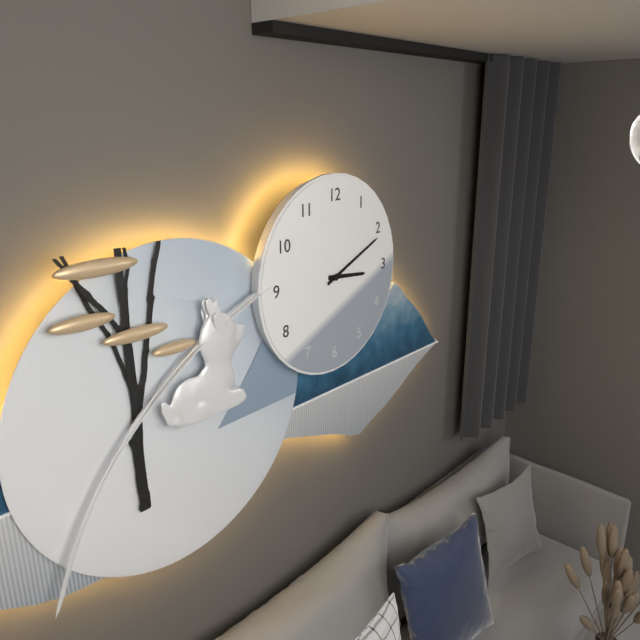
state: 3:11
